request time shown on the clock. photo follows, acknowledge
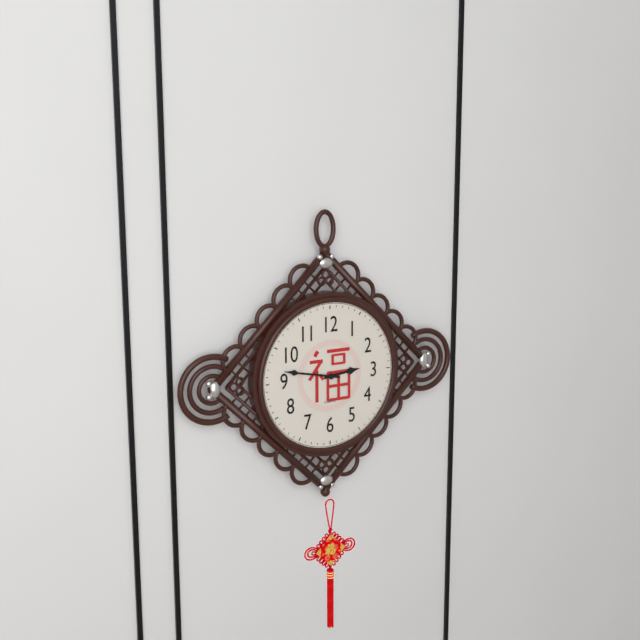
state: 2:47
